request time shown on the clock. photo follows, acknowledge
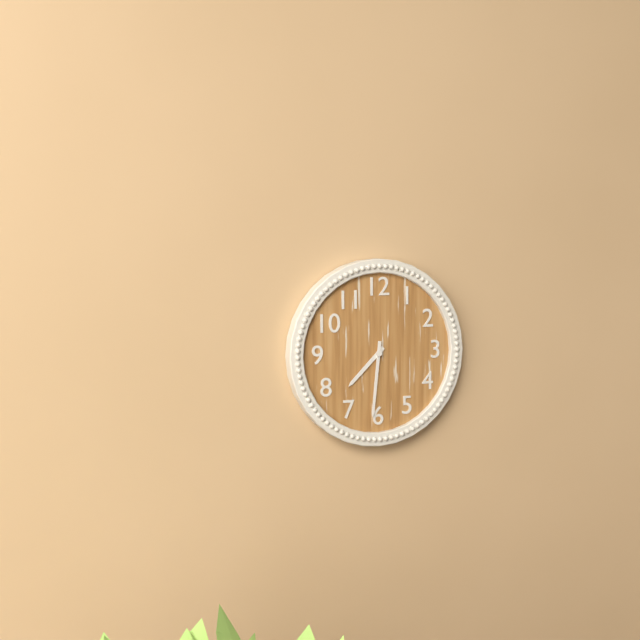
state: 7:31
